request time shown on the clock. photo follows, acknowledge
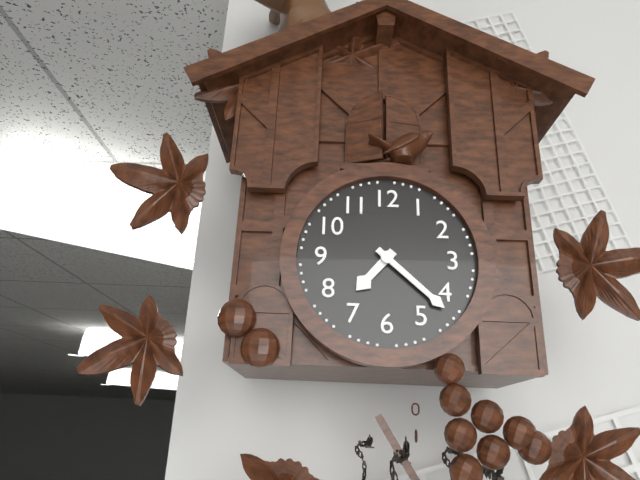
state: 7:22
